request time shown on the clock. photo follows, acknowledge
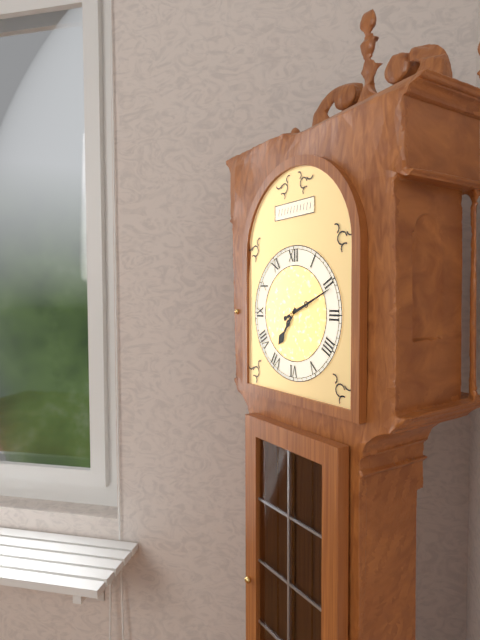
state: 7:11
